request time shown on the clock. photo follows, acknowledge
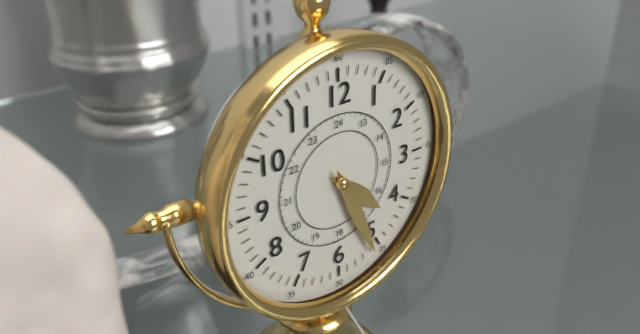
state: 4:26
